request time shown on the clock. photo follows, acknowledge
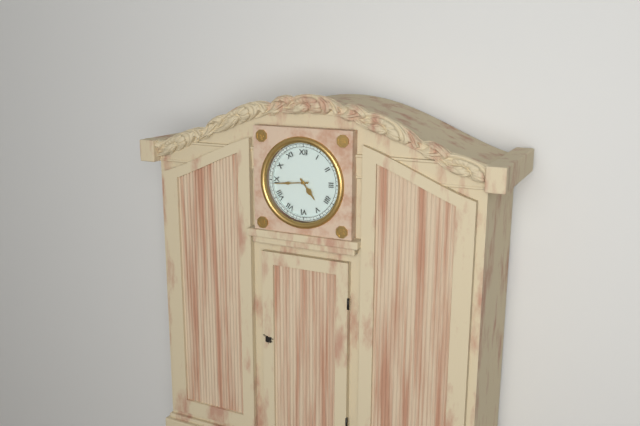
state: 4:44
